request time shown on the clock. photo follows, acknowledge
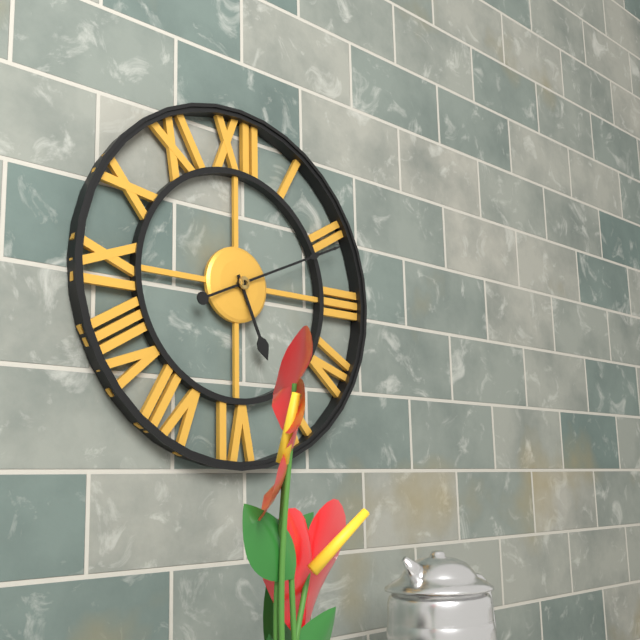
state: 5:11
